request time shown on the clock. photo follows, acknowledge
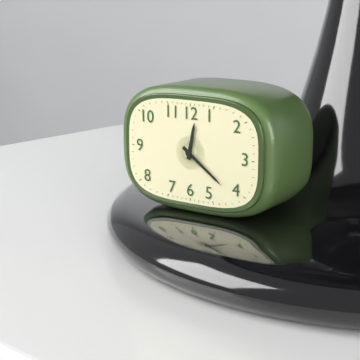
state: 12:21
